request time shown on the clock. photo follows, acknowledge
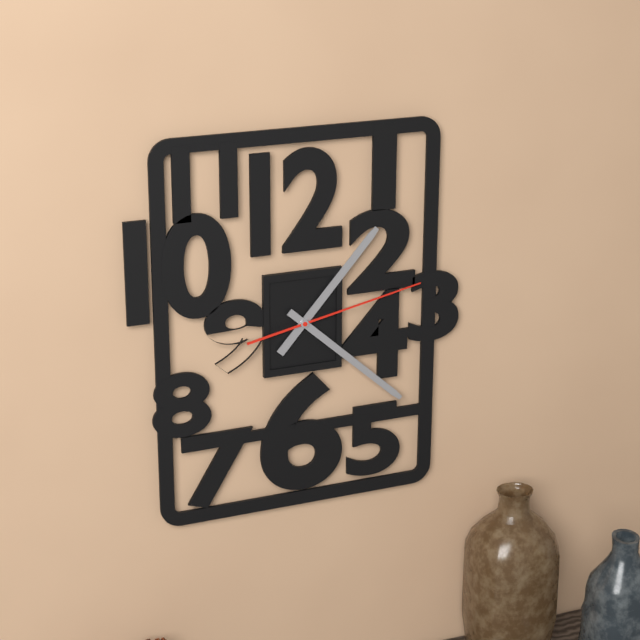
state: 1:22:13
